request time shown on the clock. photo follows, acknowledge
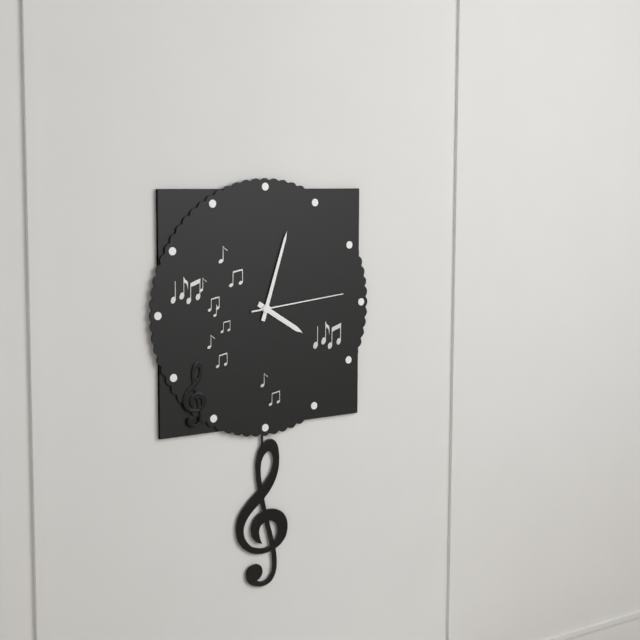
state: 4:03:14
